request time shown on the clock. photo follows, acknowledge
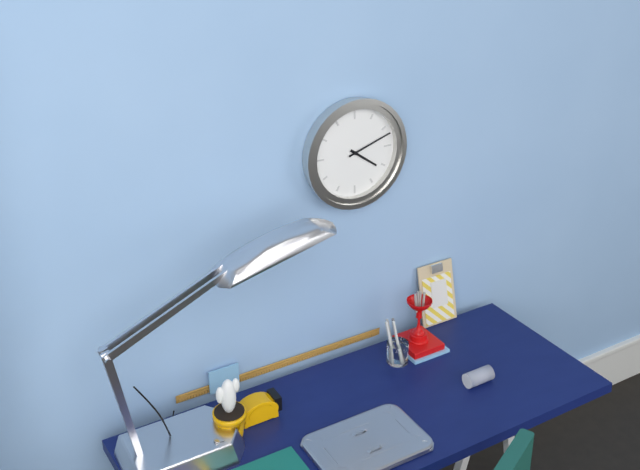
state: 4:12
